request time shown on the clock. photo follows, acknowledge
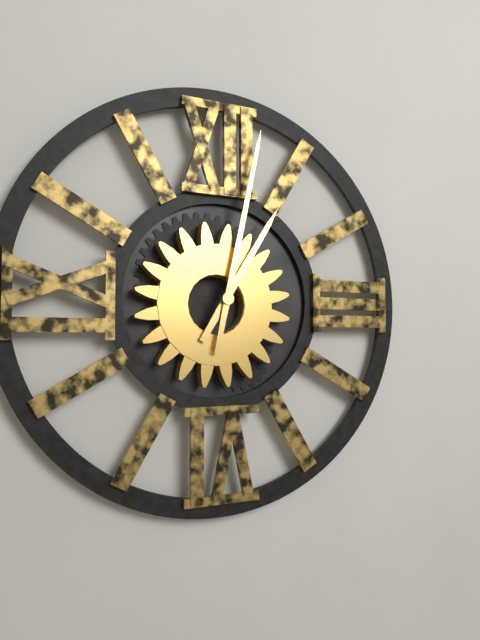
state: 1:02
